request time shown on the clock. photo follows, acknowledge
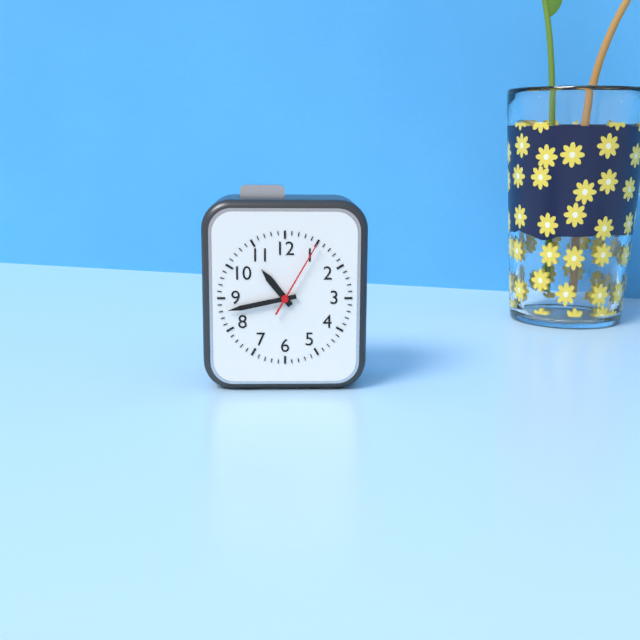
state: 10:43:05
